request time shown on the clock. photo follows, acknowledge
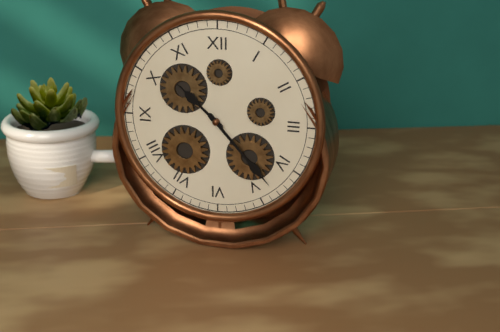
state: 10:23
